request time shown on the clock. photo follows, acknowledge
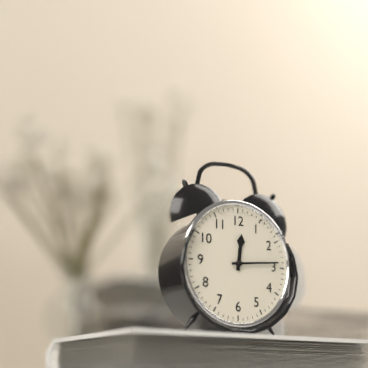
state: 12:14
